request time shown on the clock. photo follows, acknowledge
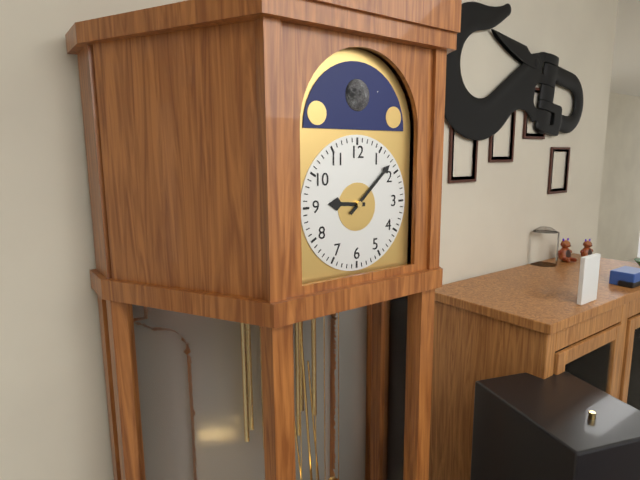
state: 9:08
